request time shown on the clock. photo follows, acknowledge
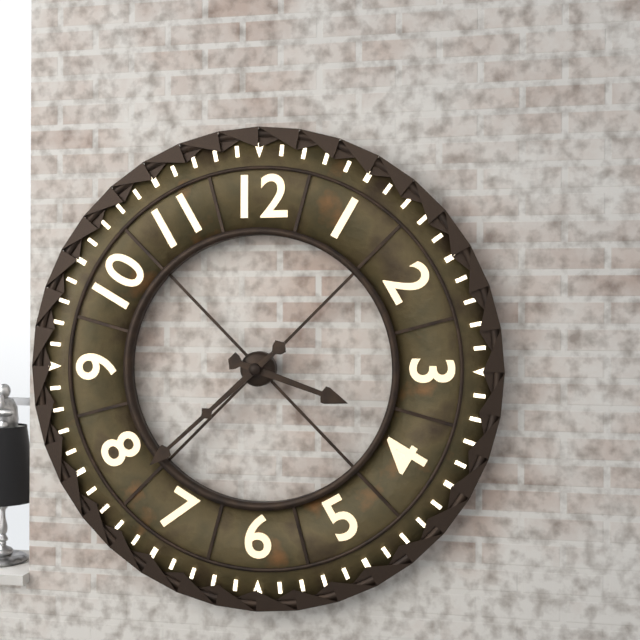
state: 3:38
